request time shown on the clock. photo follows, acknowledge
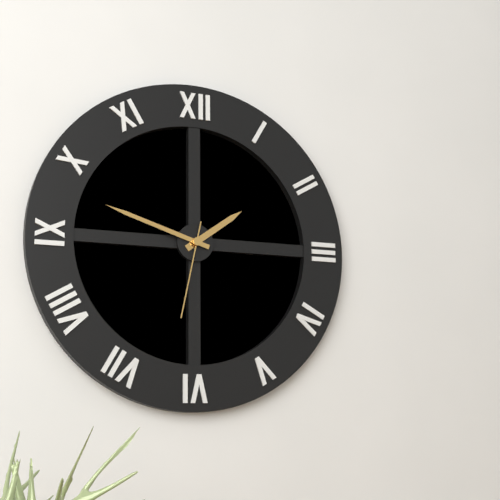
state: 1:48:32
